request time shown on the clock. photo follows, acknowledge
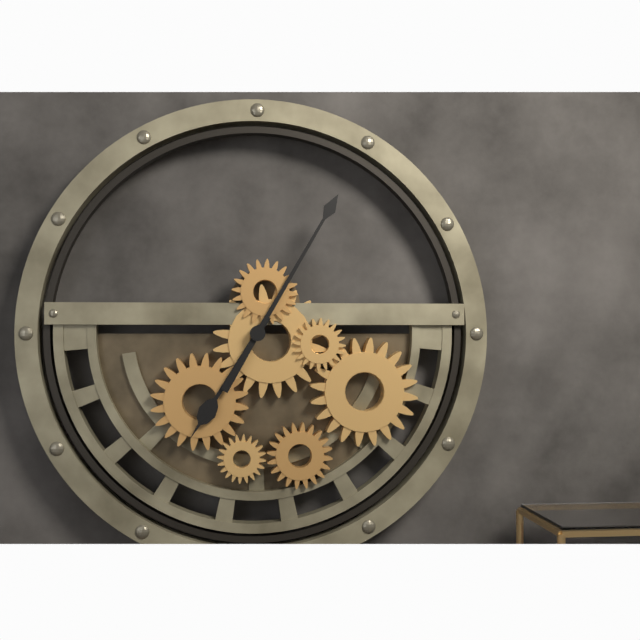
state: 7:05
